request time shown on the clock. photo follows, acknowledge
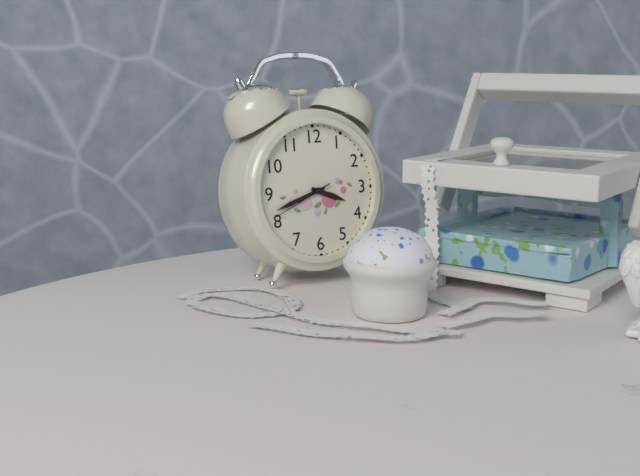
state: 3:42:41
